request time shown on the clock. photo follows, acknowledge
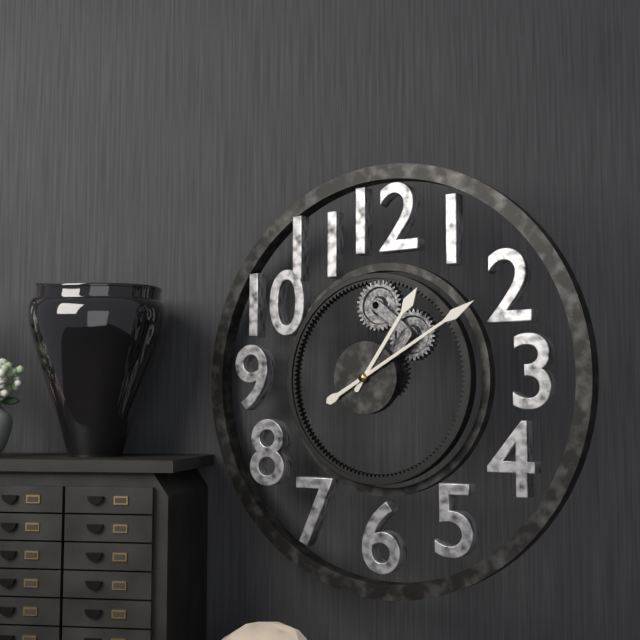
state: 1:10
